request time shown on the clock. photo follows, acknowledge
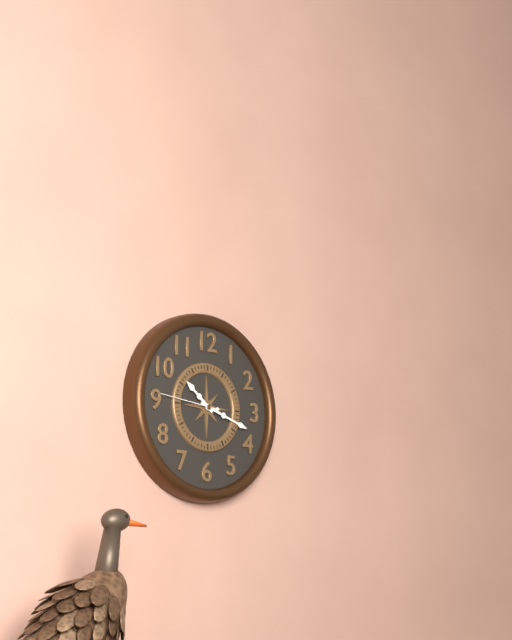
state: 10:18:46
